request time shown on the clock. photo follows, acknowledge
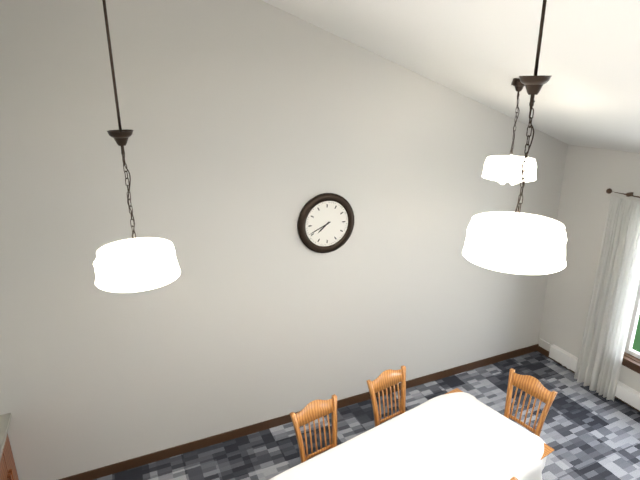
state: 7:41
